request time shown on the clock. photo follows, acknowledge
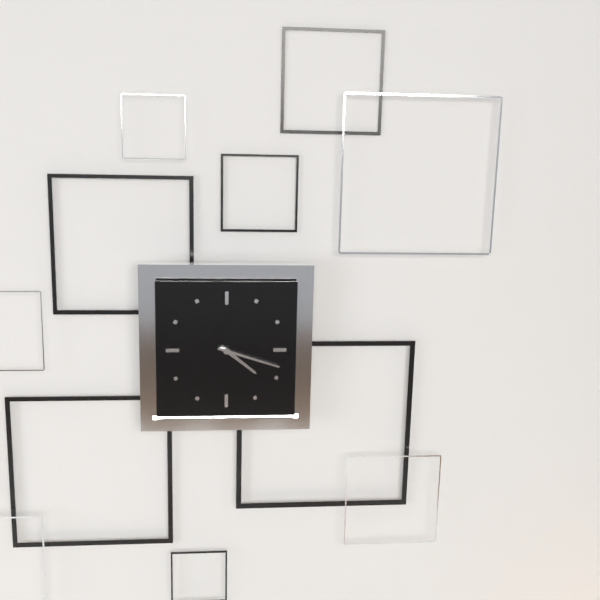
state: 4:18
